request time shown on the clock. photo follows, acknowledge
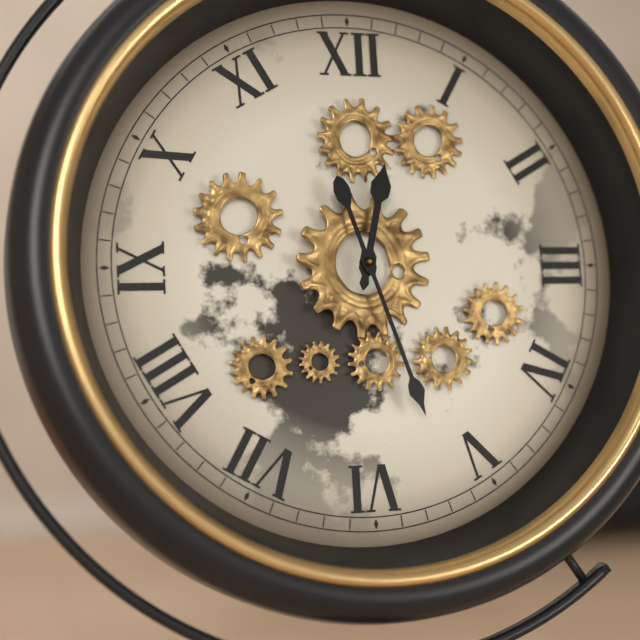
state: 12:27
